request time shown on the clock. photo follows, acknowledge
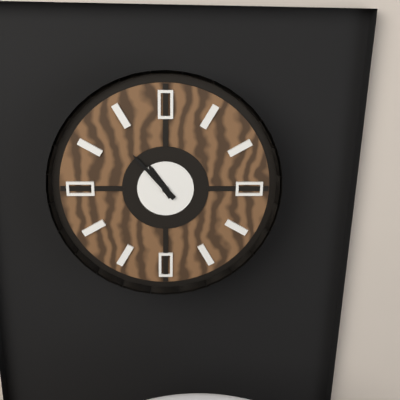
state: 10:53
